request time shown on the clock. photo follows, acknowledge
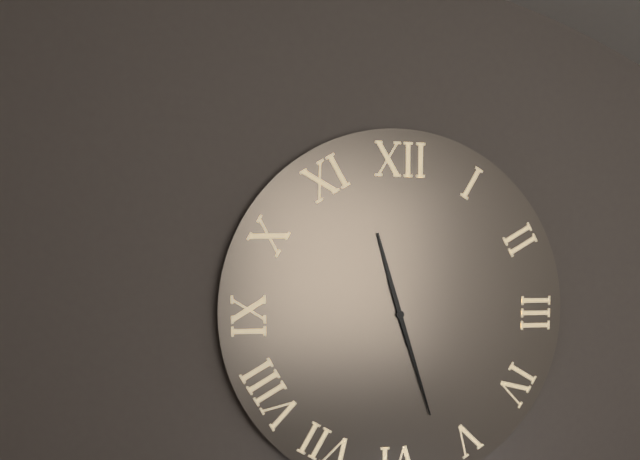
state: 11:27
